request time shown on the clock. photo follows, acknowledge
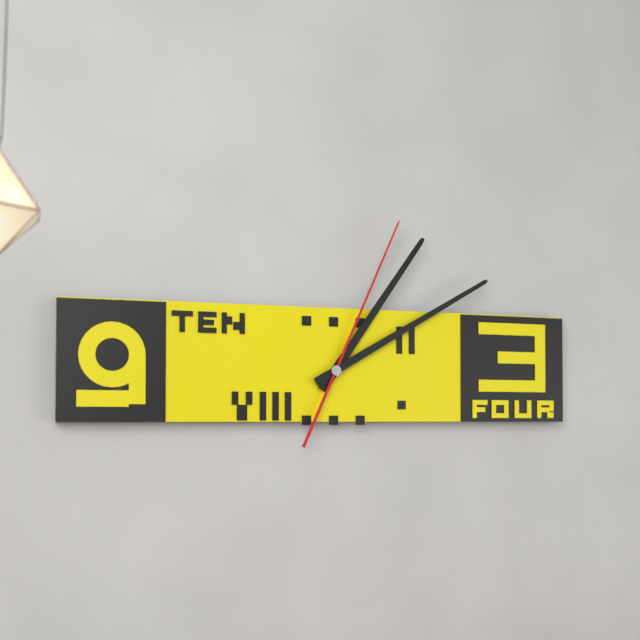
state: 1:10:04
